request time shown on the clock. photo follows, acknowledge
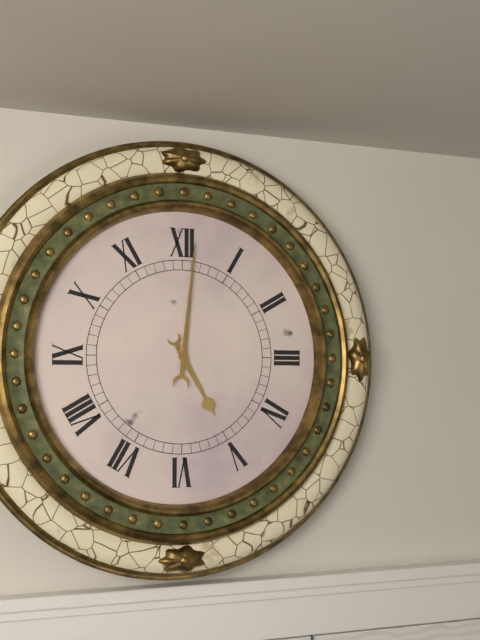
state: 5:01
